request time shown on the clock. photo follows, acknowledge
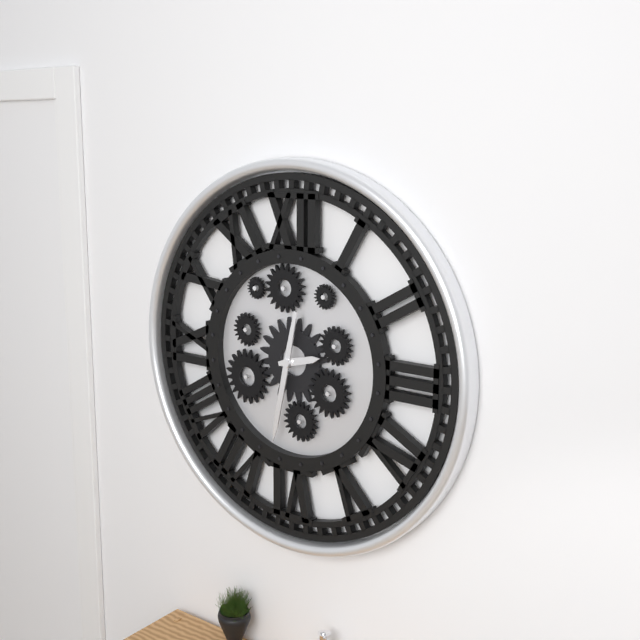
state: 2:32
